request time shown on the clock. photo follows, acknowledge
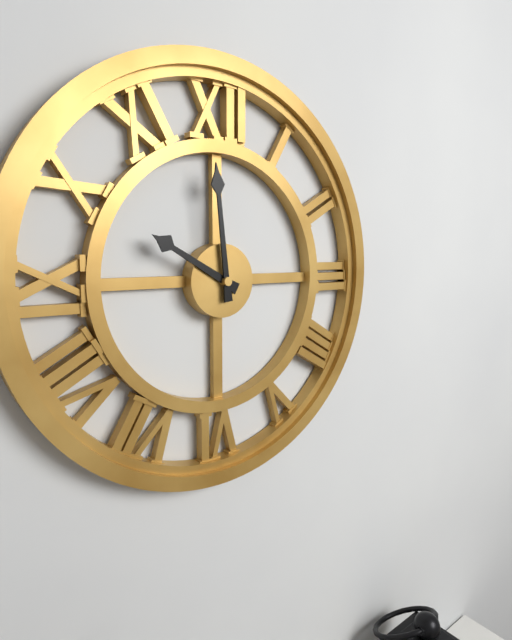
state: 9:59
